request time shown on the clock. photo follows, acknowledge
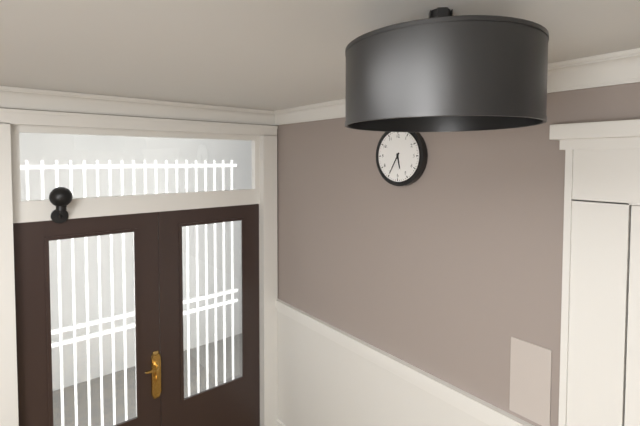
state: 5:35
